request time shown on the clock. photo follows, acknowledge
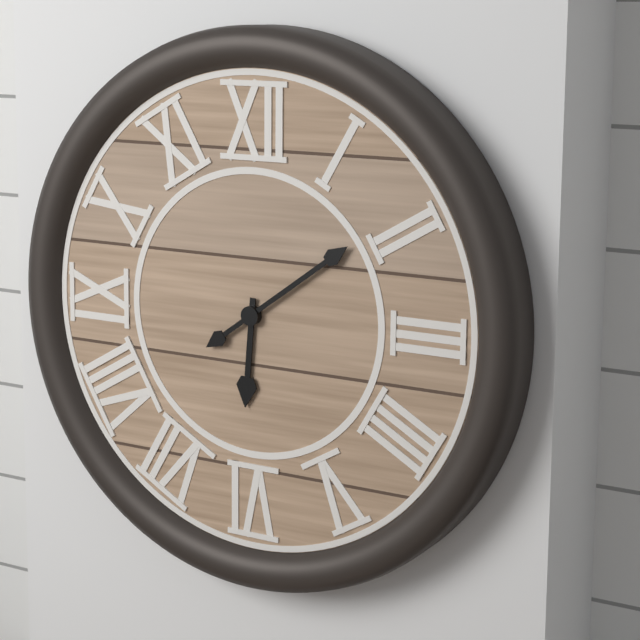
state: 6:09
